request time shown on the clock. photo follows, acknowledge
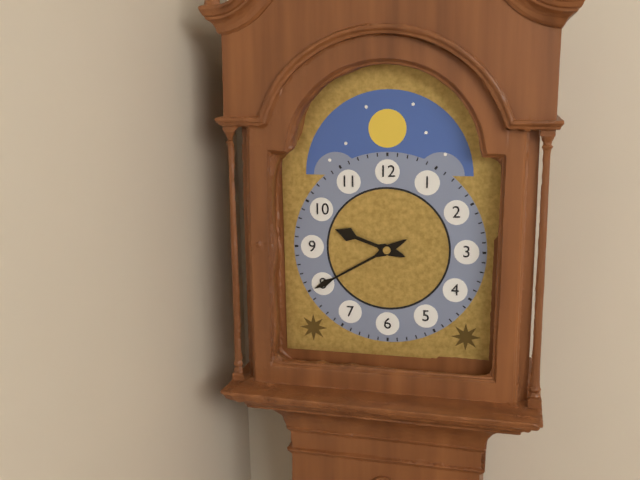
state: 9:40
